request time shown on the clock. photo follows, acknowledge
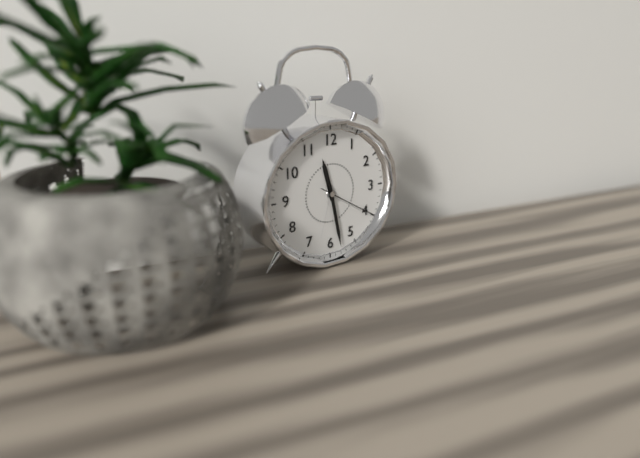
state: 11:28:20
